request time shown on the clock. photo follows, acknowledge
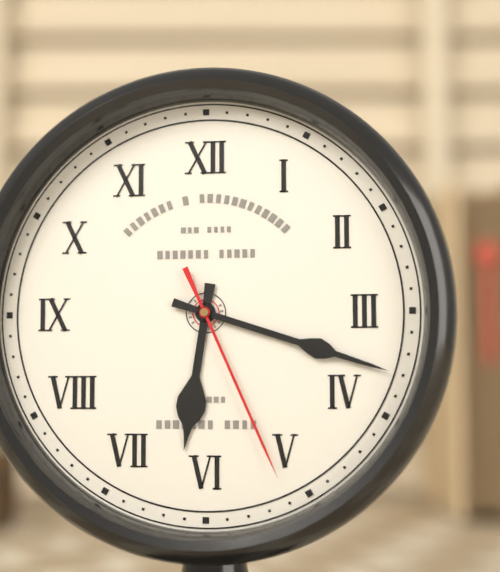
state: 6:18:26
